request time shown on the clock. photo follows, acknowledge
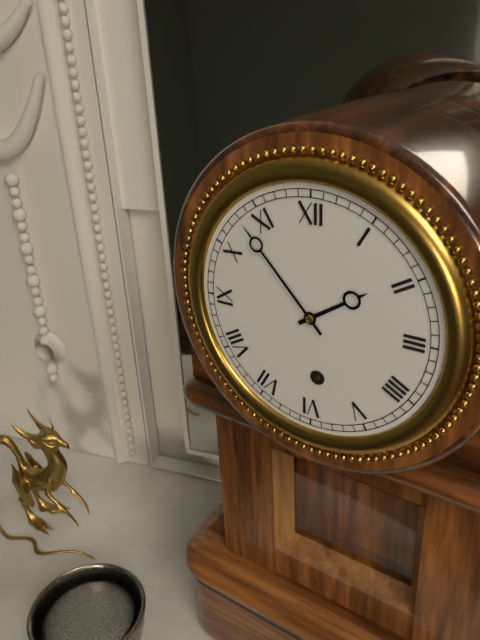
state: 1:53
